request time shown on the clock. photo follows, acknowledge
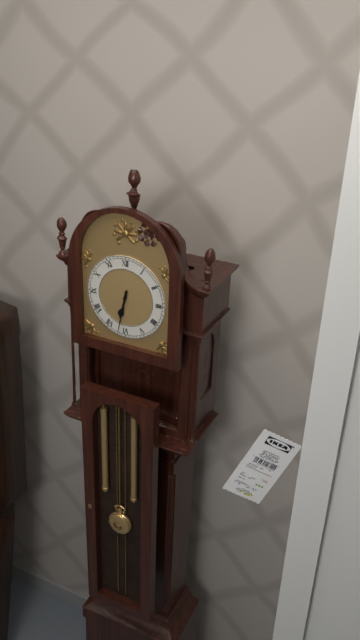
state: 6:32
